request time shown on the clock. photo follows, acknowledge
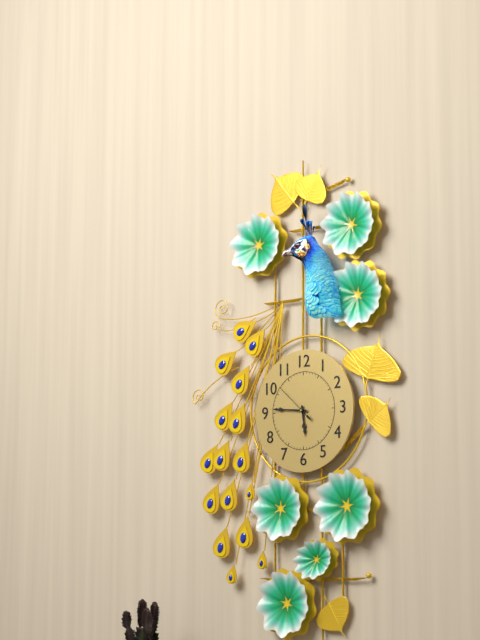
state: 5:46
